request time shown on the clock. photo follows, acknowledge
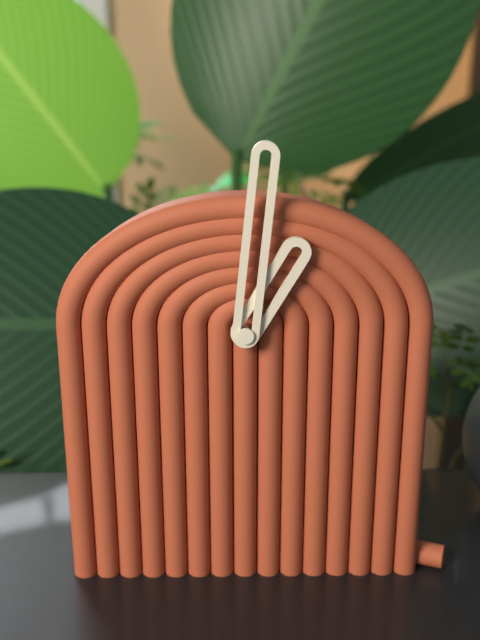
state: 1:01
